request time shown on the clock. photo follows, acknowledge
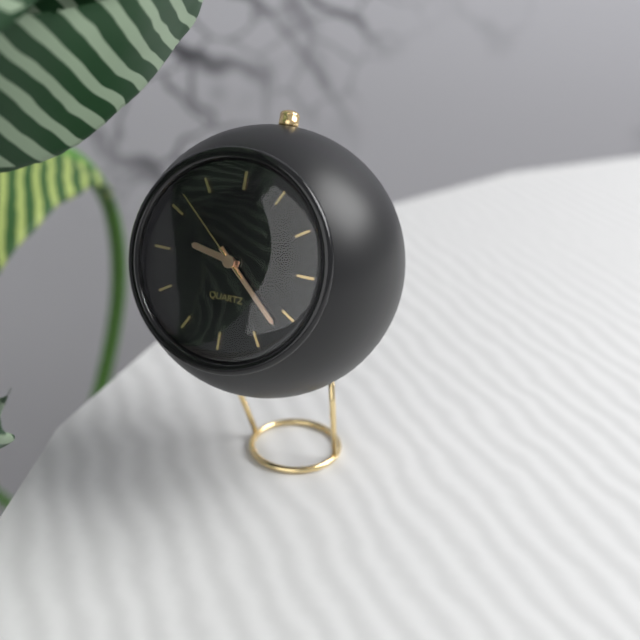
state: 9:22:52
